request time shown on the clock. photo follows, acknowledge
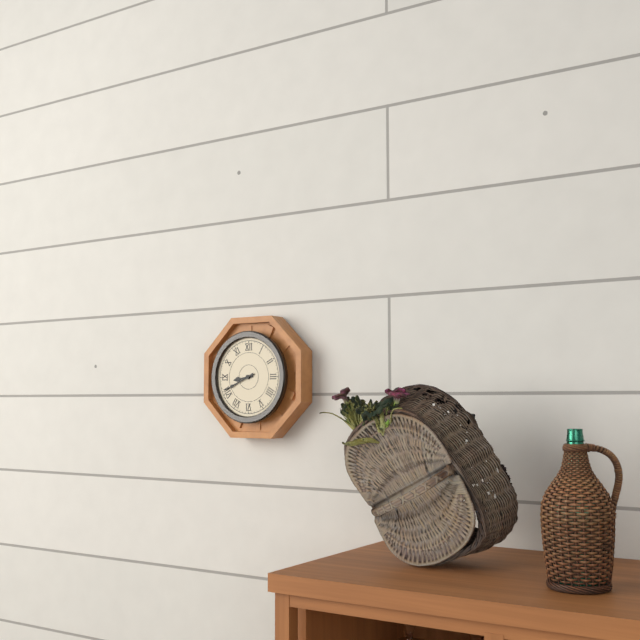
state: 8:41
